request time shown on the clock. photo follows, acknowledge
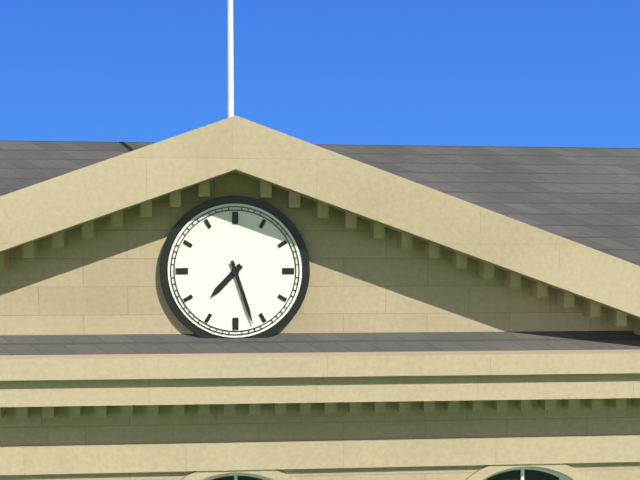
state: 7:27
